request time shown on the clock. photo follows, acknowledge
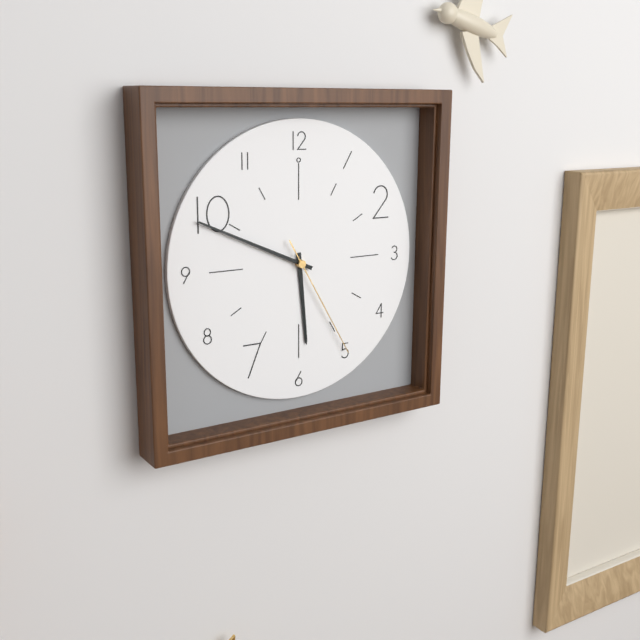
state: 5:49:25
